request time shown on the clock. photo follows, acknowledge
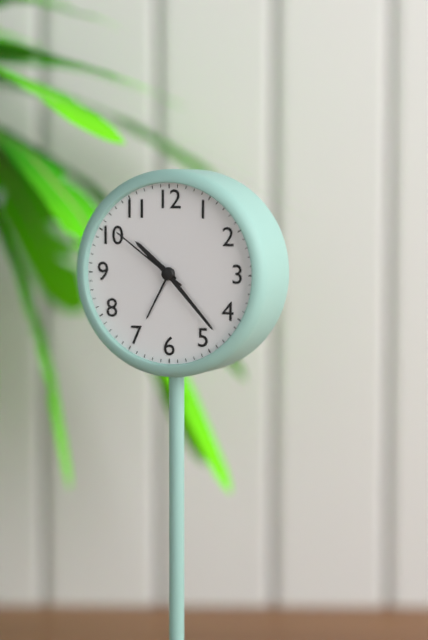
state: 10:23:51
